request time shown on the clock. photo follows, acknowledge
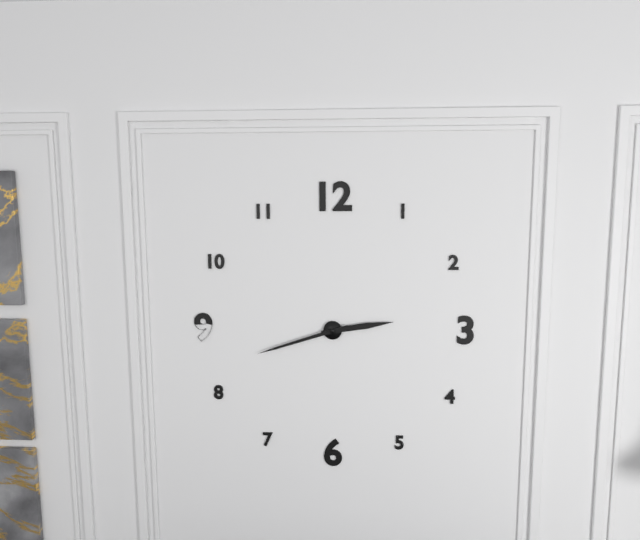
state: 2:42
